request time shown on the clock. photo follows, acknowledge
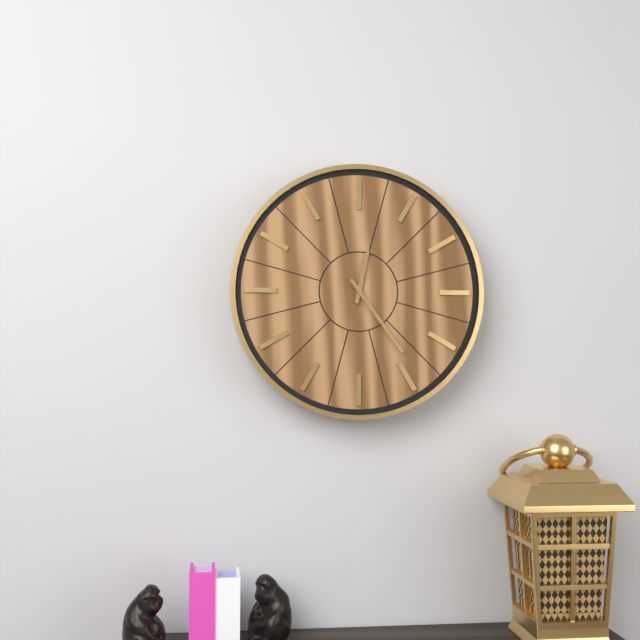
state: 12:24
